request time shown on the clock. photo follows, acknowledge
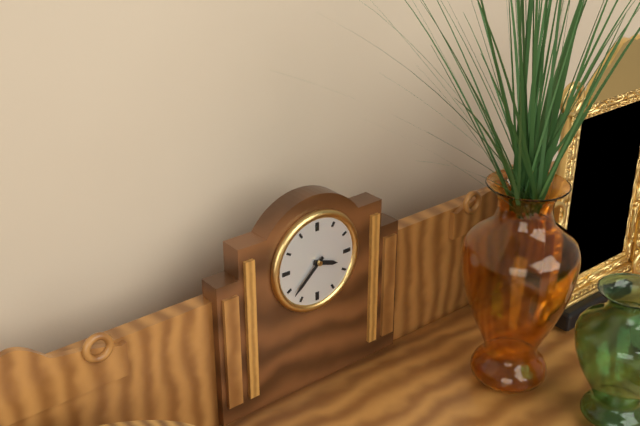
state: 3:38
